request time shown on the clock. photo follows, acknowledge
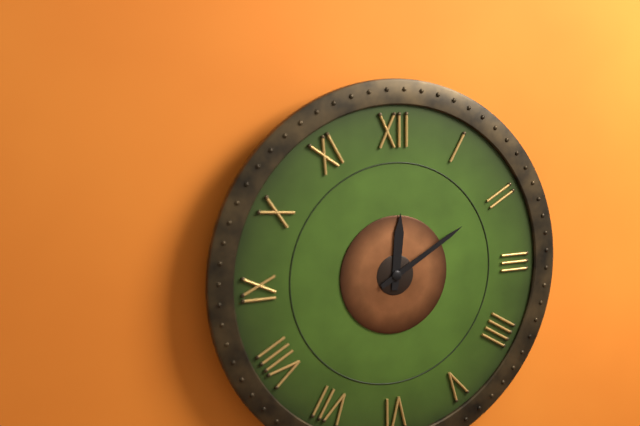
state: 12:10
